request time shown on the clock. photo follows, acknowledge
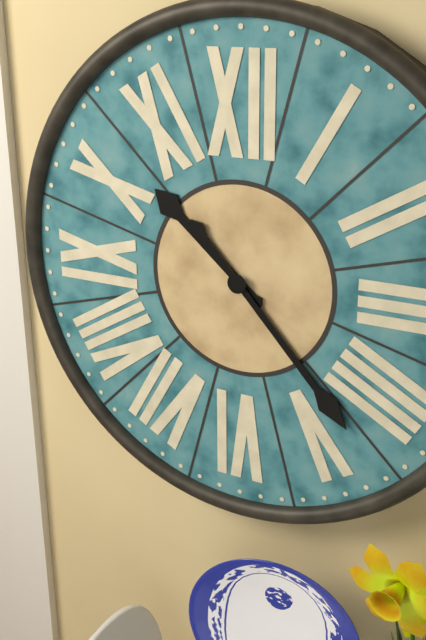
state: 10:23
